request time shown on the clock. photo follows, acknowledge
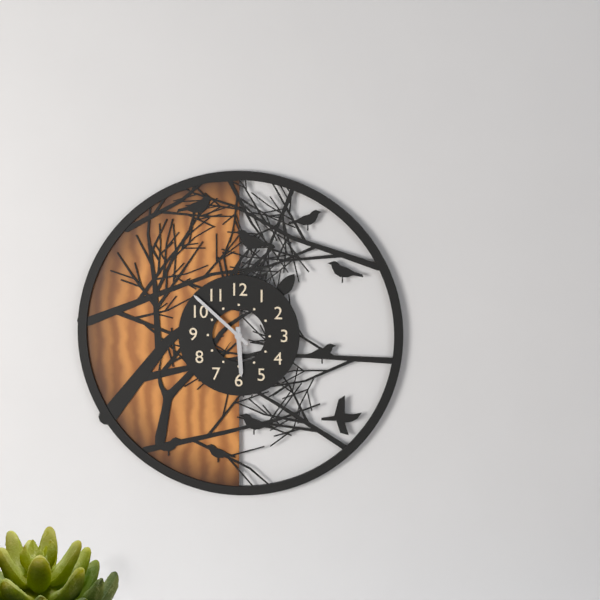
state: 5:52
